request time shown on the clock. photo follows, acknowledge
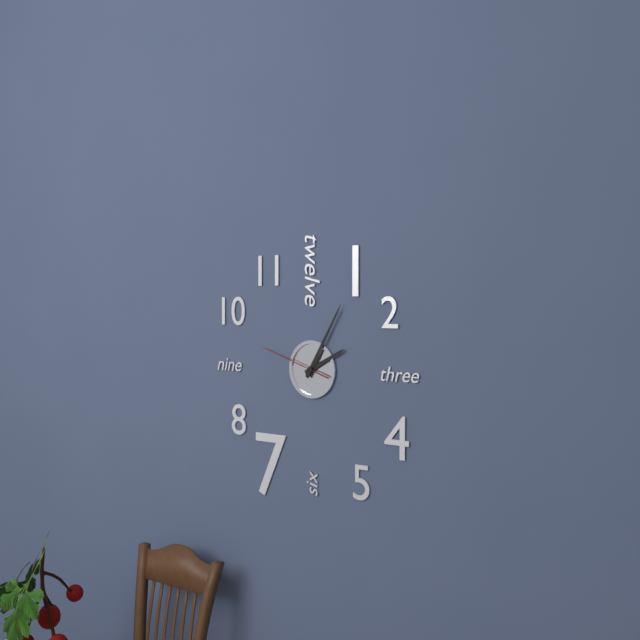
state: 2:05:48
